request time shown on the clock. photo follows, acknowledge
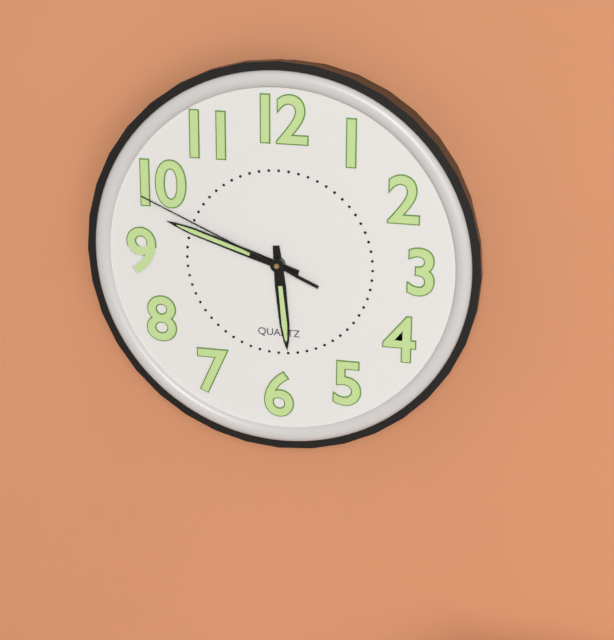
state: 5:48:49
